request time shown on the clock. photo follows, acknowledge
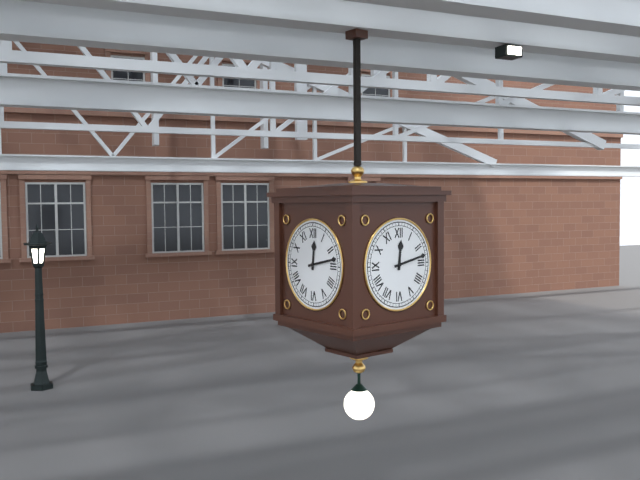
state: 12:13
